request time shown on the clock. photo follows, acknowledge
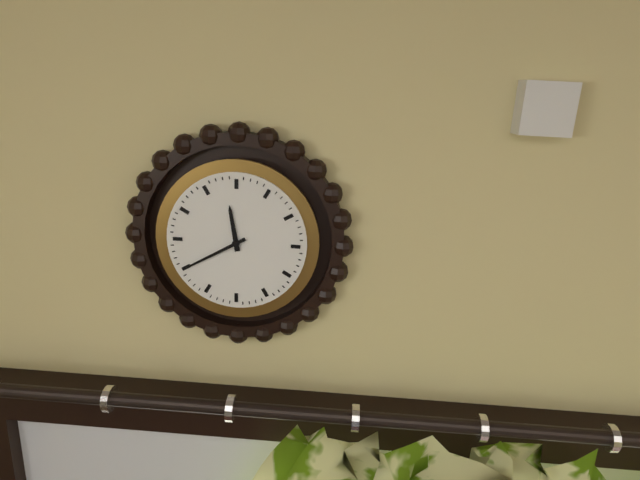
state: 11:40
